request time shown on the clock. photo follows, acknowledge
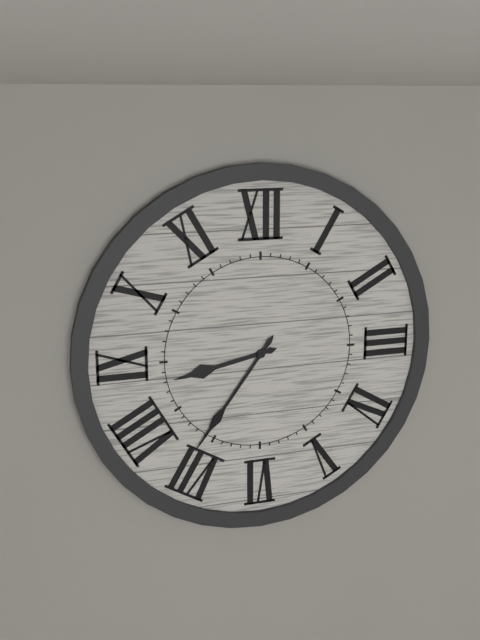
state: 8:36
